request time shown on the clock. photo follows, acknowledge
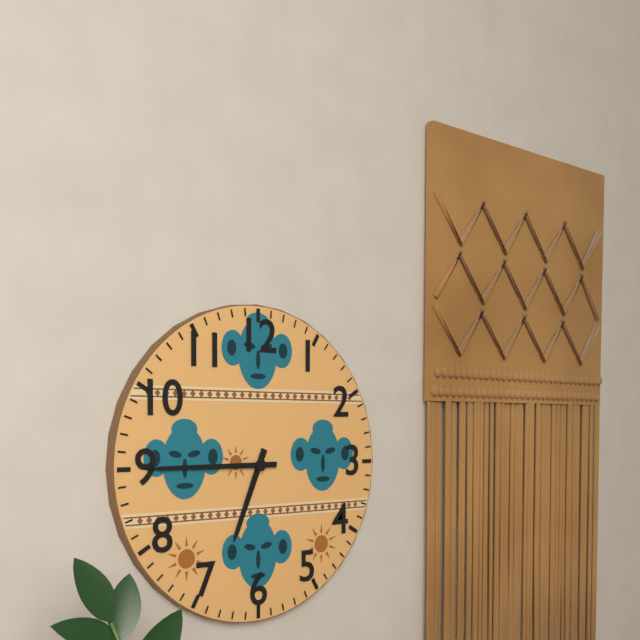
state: 6:45
